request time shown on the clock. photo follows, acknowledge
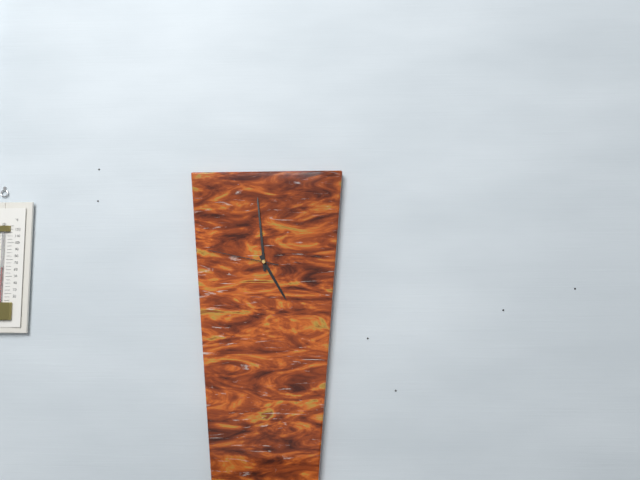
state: 4:59:47
